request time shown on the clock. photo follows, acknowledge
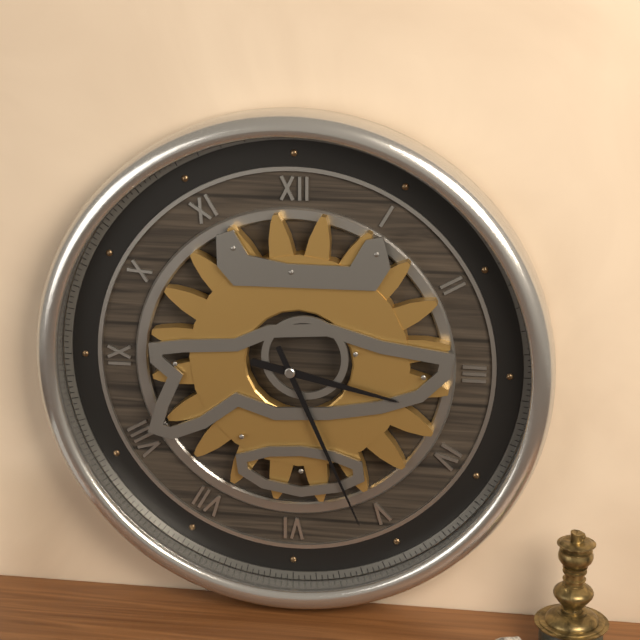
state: 3:26
